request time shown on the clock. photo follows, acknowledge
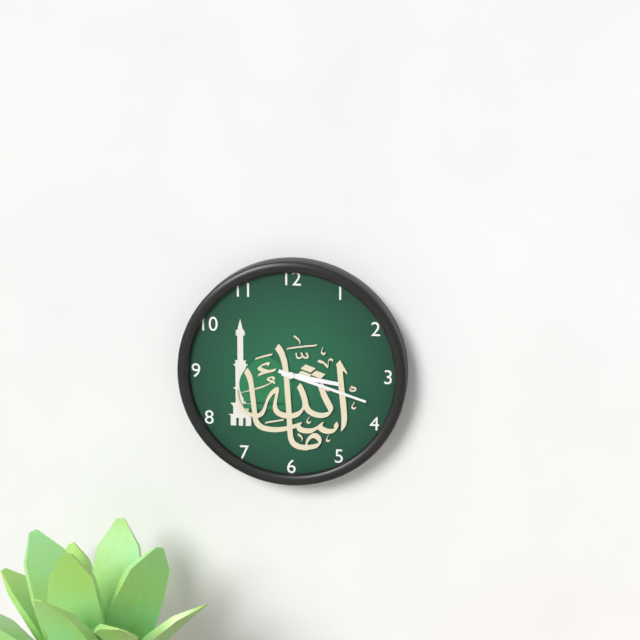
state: 3:18
